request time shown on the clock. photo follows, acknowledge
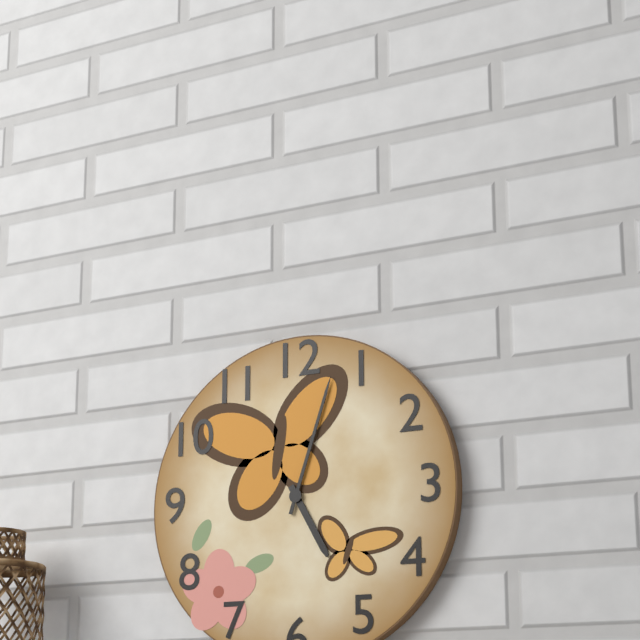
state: 5:03
